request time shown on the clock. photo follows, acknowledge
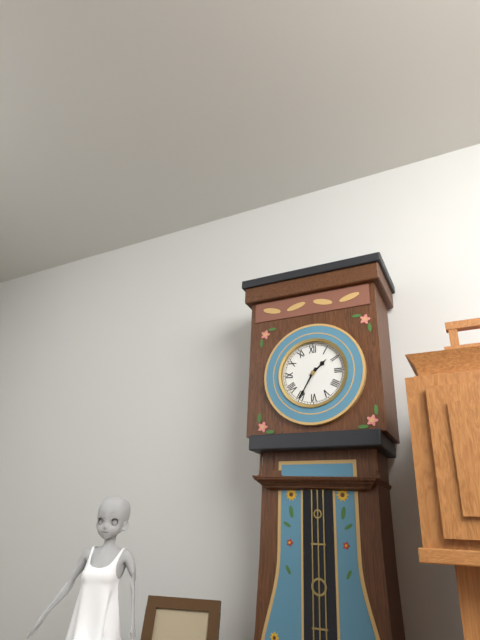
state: 1:35
